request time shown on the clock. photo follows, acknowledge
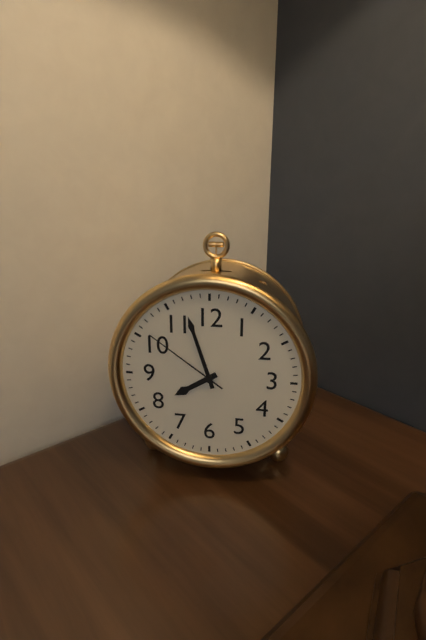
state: 7:57:51
